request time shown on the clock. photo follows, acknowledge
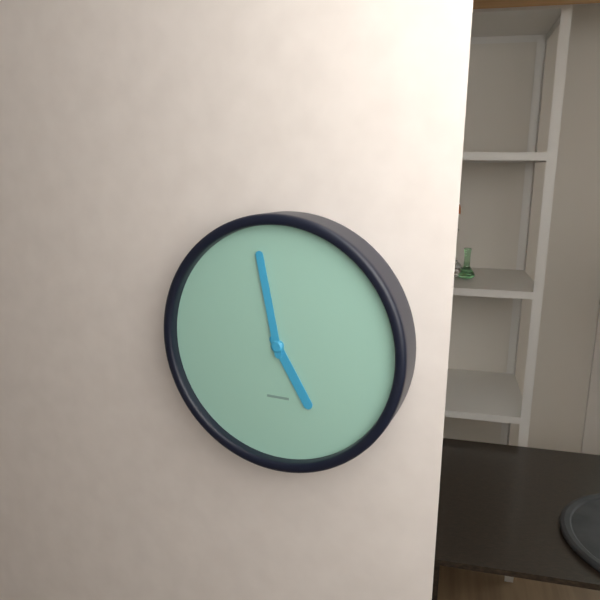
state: 4:58
